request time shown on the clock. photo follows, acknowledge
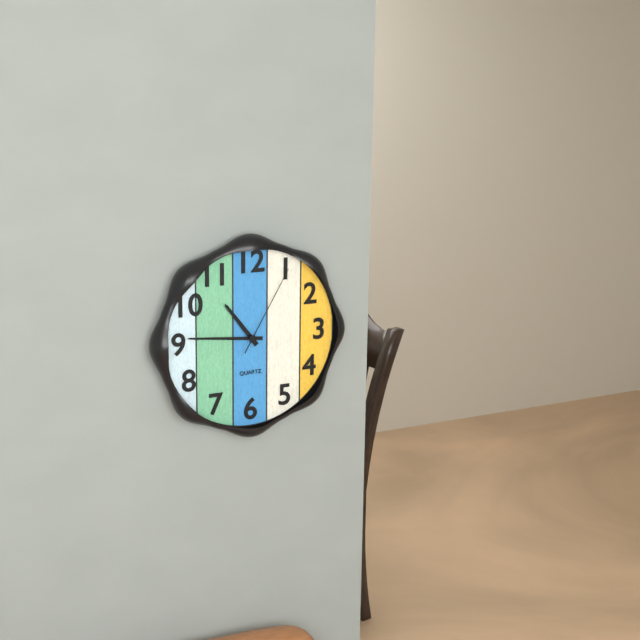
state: 10:46:05
